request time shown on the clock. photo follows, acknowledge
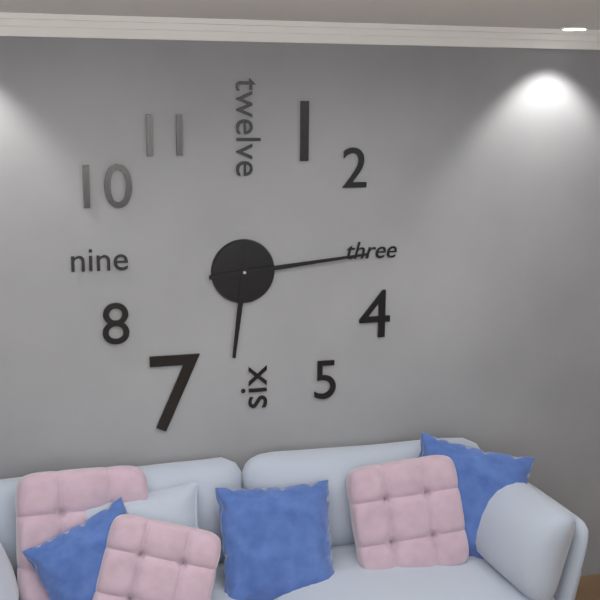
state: 6:14
